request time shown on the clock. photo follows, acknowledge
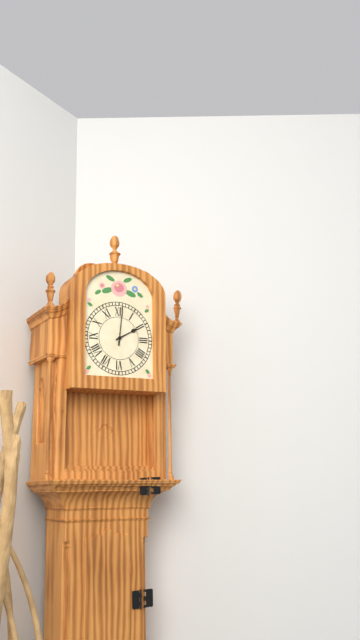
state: 2:01
